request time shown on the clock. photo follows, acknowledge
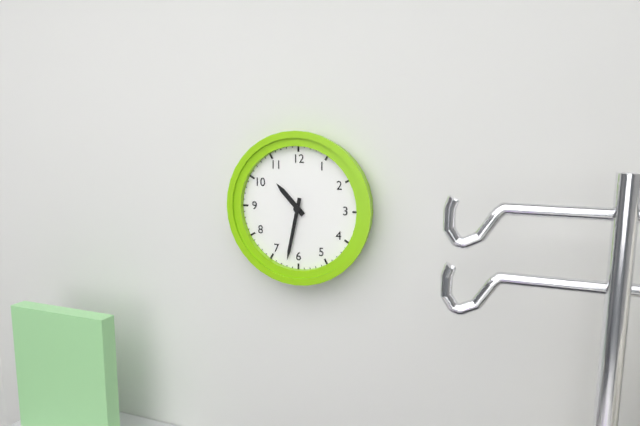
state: 10:32
